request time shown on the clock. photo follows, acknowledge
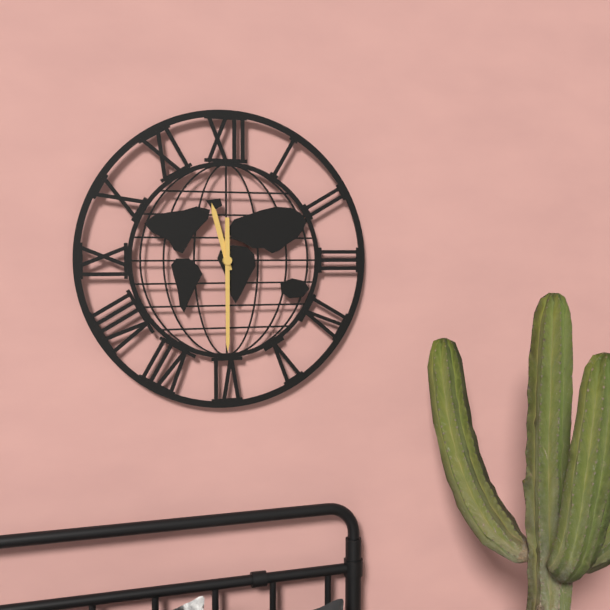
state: 11:30
